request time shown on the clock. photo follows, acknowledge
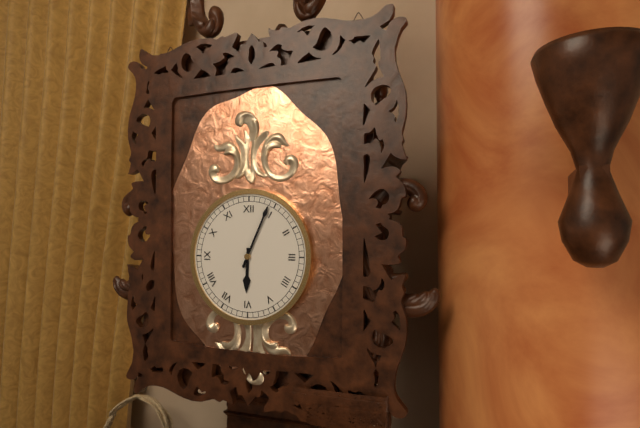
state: 6:04
